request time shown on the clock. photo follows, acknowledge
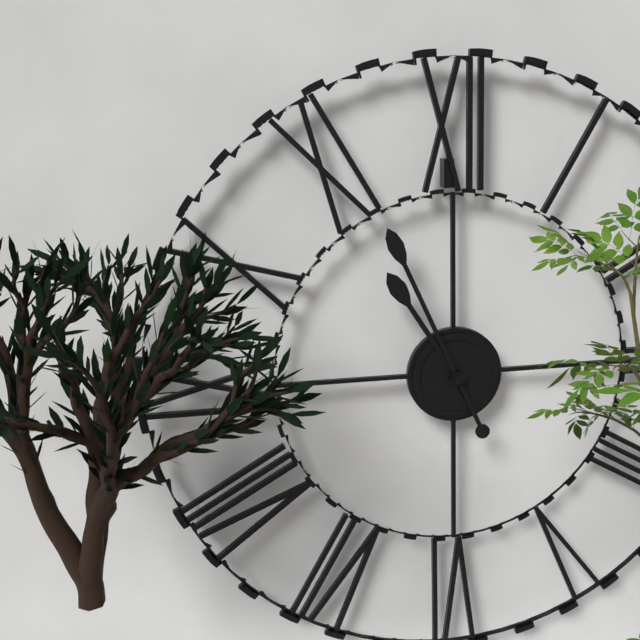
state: 10:56
